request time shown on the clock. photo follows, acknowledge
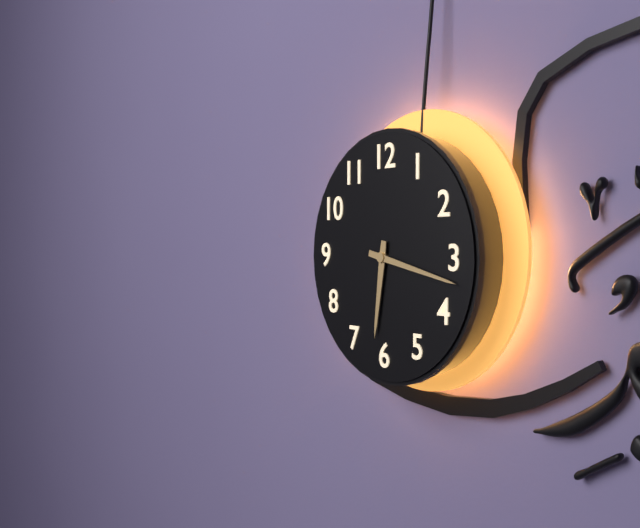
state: 6:17
